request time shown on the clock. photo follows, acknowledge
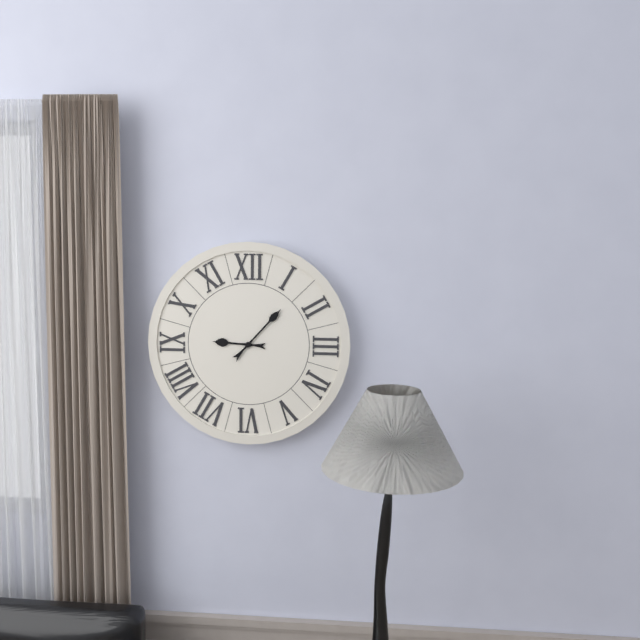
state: 9:07
